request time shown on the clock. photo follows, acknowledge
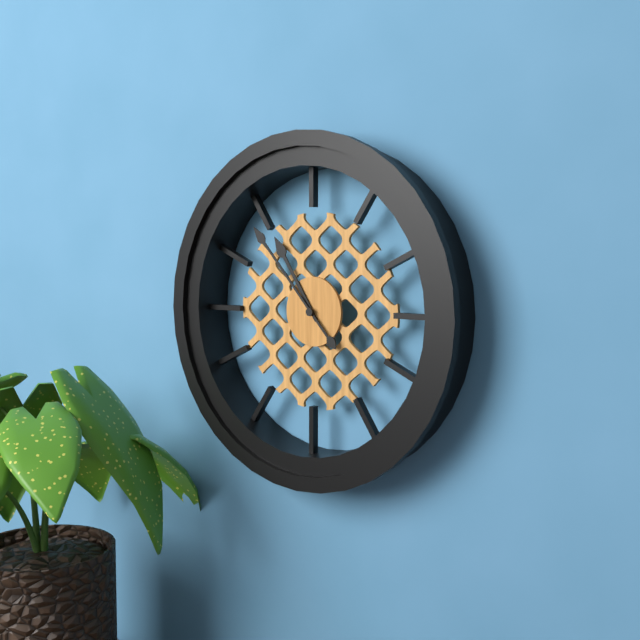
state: 10:53
